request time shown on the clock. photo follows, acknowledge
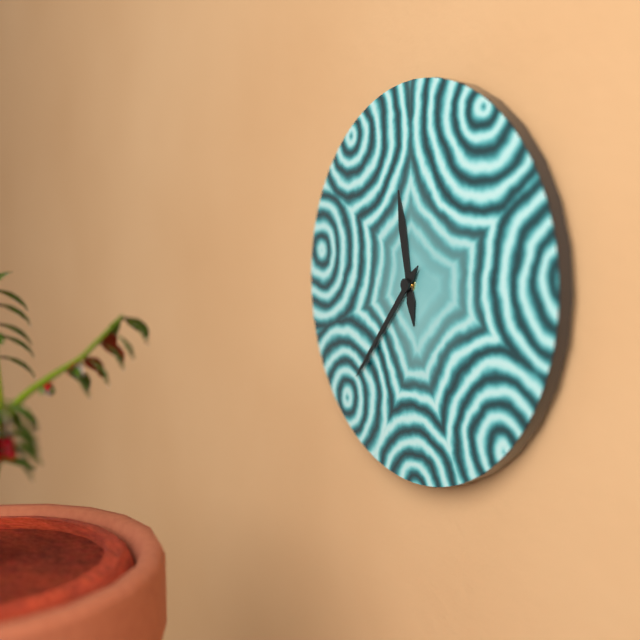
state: 11:37
